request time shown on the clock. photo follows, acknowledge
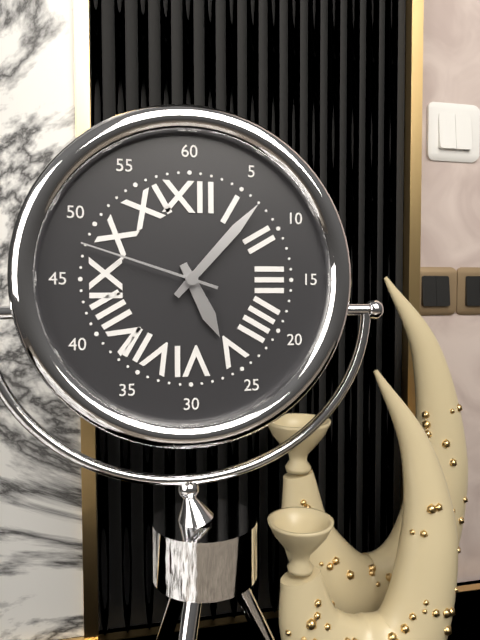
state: 5:07:48
